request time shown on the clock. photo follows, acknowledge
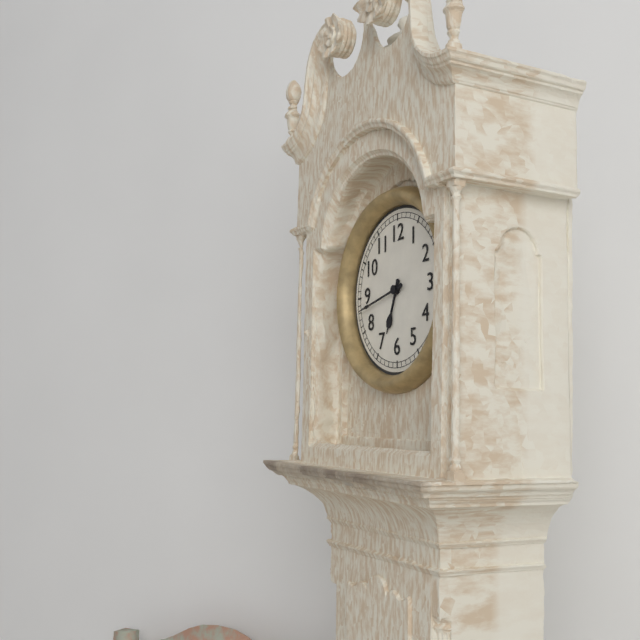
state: 6:43
